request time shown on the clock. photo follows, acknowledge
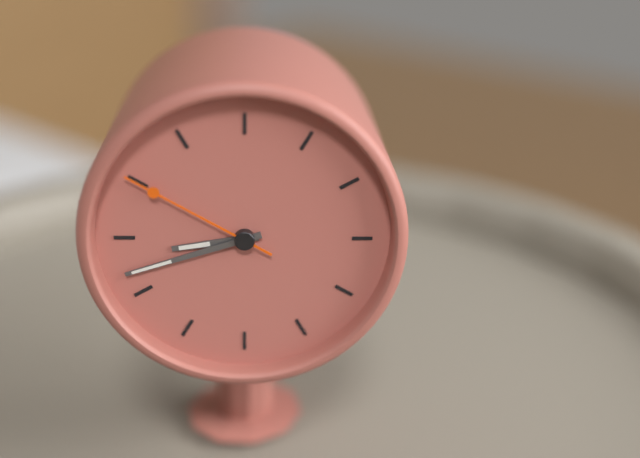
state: 8:42:50
